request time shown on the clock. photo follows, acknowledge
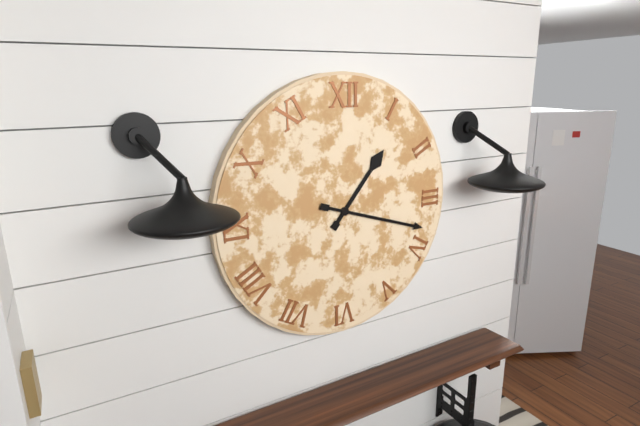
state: 1:18
